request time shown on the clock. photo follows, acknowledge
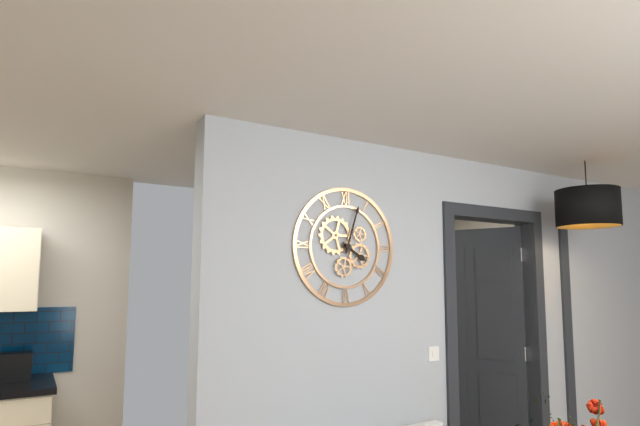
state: 4:03
